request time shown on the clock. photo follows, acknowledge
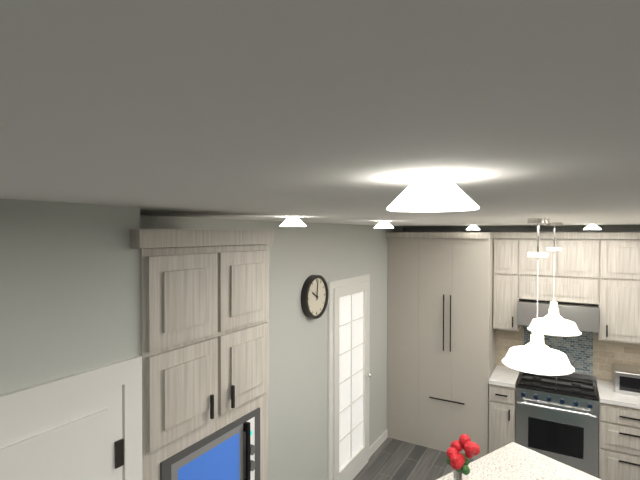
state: 10:01
